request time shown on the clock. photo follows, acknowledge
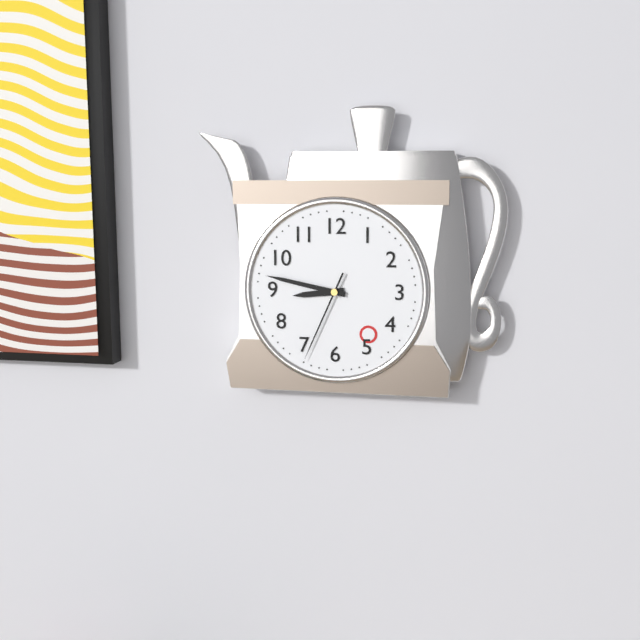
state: 8:47:34
